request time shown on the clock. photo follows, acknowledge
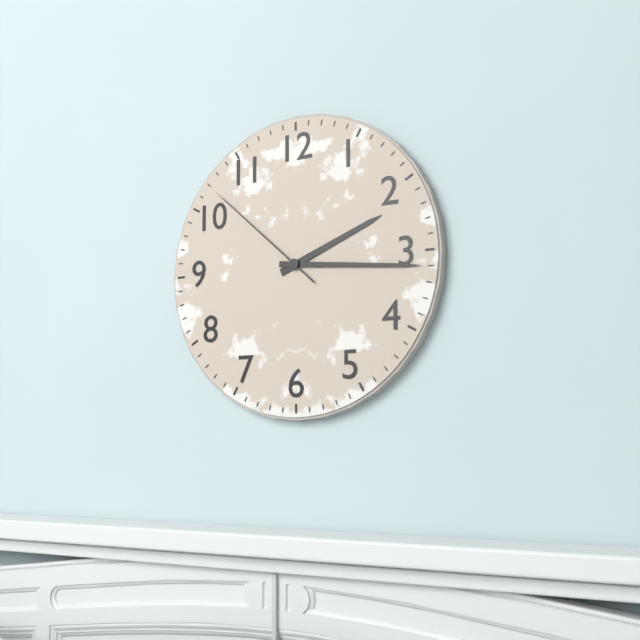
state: 2:16:52
